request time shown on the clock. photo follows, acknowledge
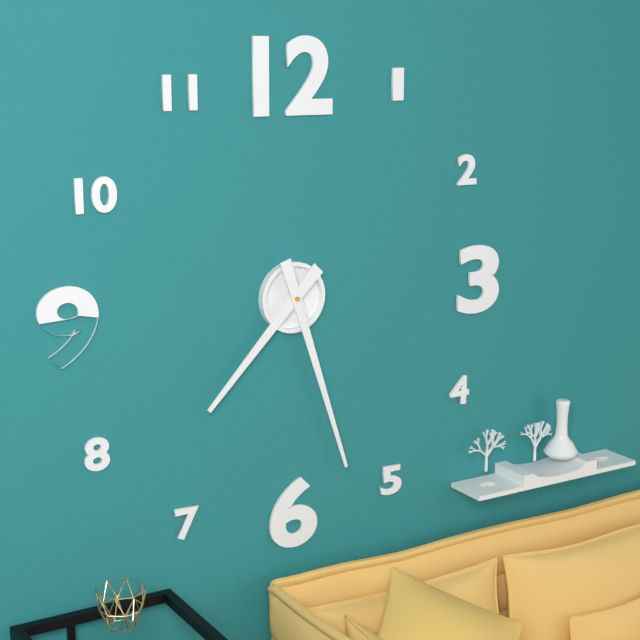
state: 7:27
